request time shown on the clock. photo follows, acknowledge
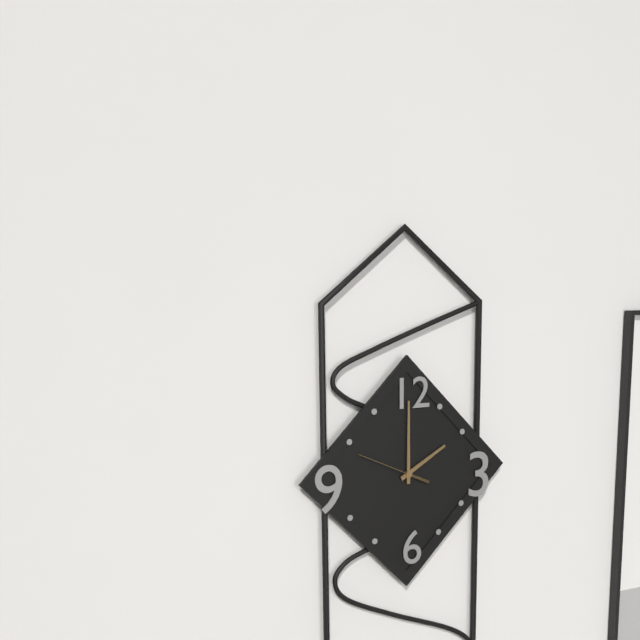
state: 2:00:49
